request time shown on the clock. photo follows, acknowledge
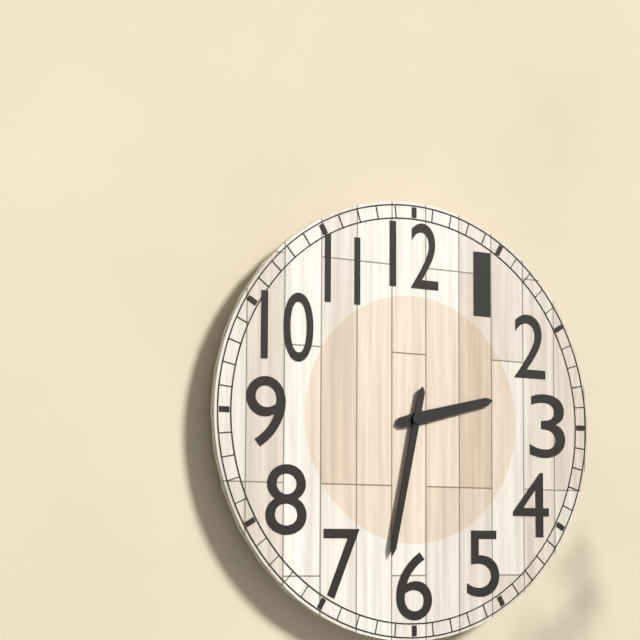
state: 2:32
